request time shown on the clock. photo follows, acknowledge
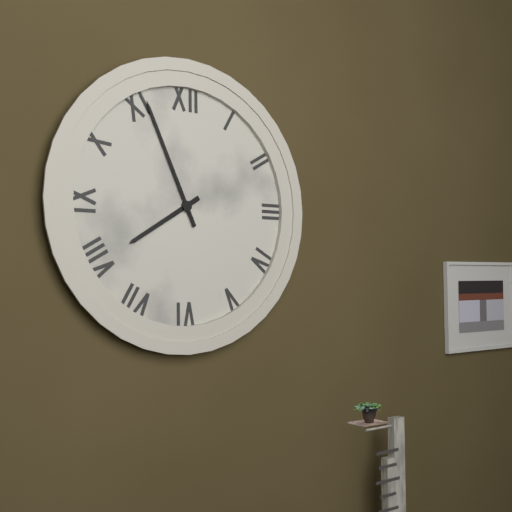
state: 7:56
